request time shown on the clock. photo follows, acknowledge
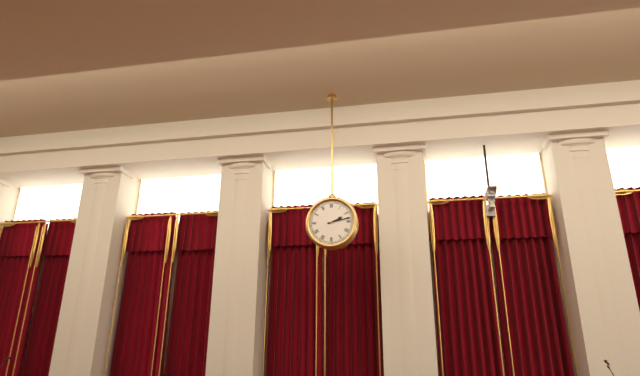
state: 2:13
